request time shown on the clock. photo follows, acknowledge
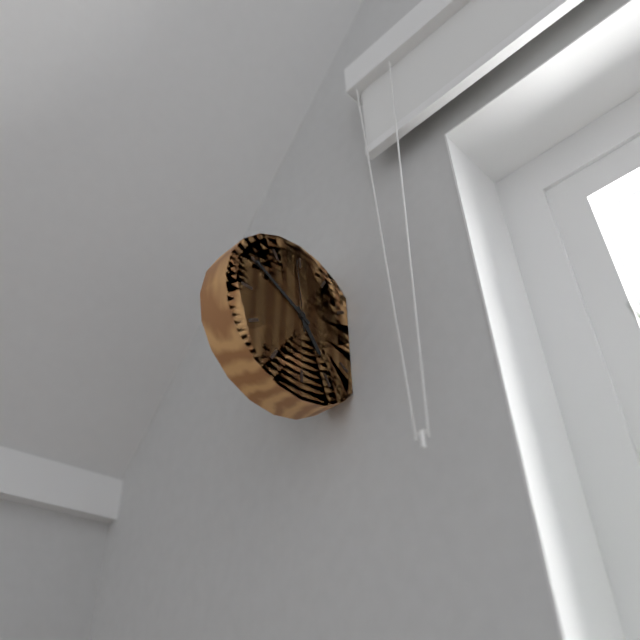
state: 4:50:59
